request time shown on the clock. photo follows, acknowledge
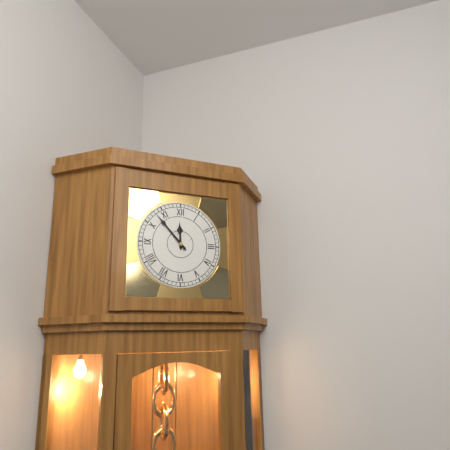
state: 11:53
